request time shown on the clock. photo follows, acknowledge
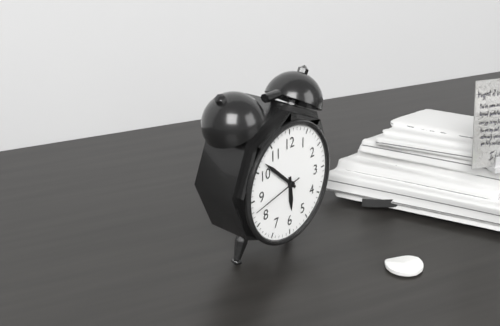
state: 5:52:43
